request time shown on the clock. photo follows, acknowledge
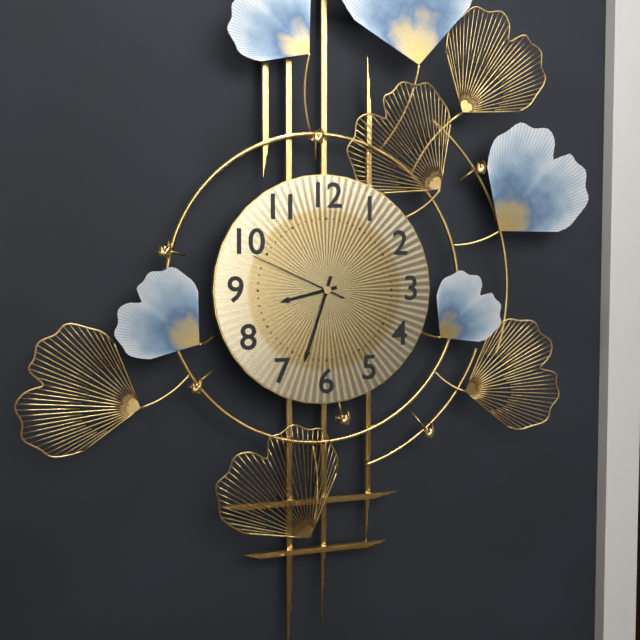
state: 8:33:49
